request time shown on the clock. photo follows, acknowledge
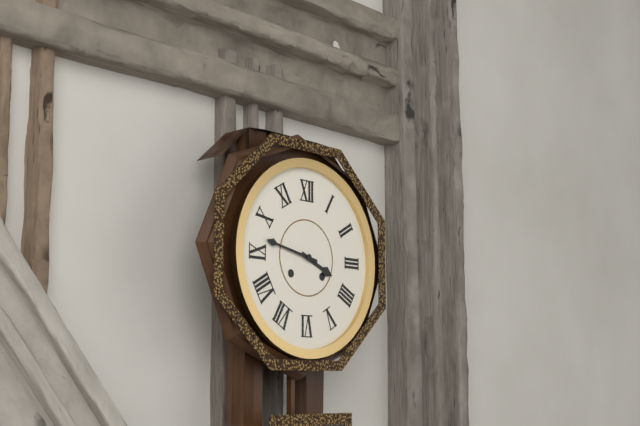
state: 3:47
